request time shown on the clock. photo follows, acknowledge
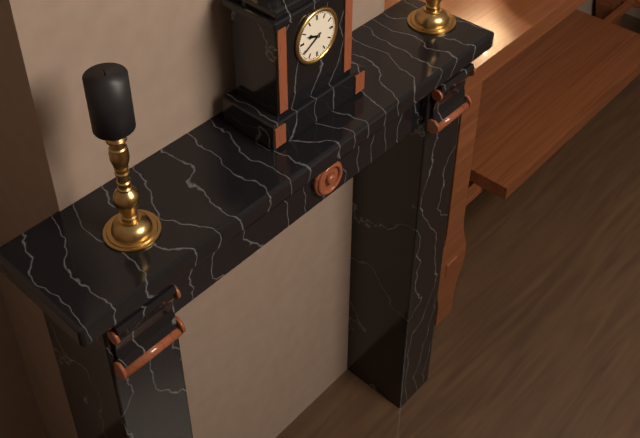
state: 9:40
